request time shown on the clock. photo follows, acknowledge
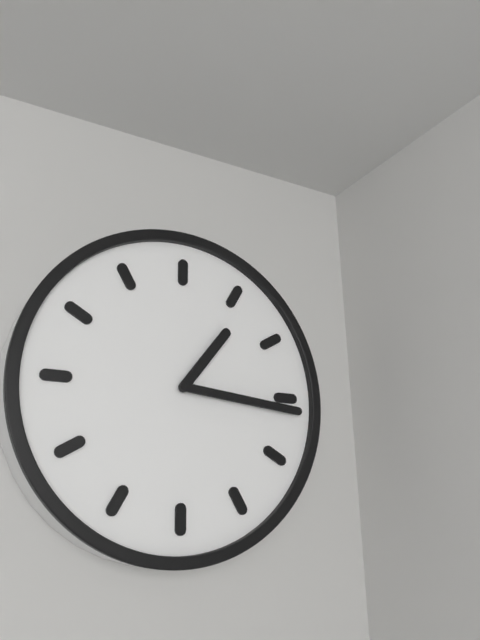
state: 1:16
